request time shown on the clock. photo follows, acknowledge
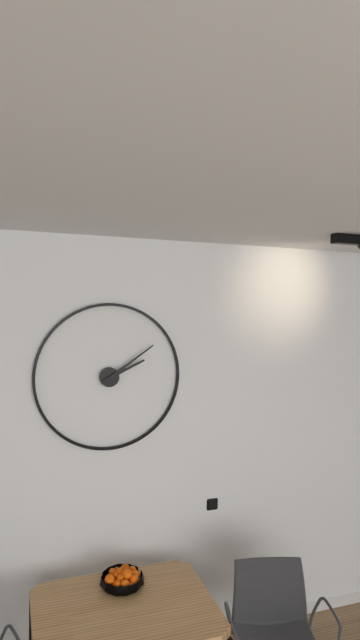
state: 2:09
